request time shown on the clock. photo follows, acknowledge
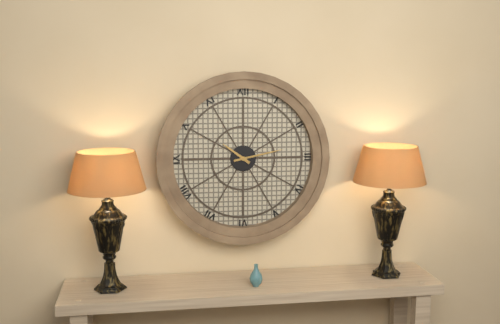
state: 10:13
